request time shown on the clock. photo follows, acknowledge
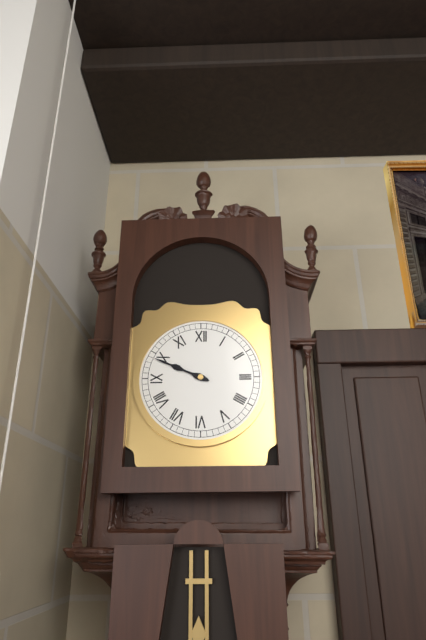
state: 9:49
